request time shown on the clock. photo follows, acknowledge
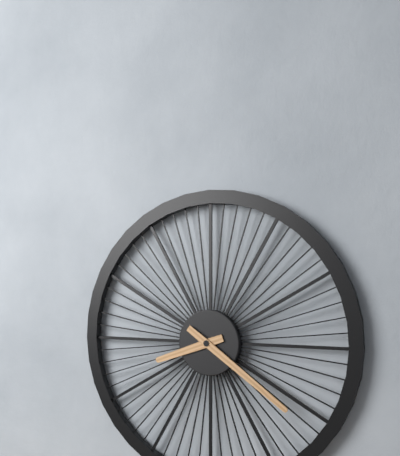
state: 8:21
